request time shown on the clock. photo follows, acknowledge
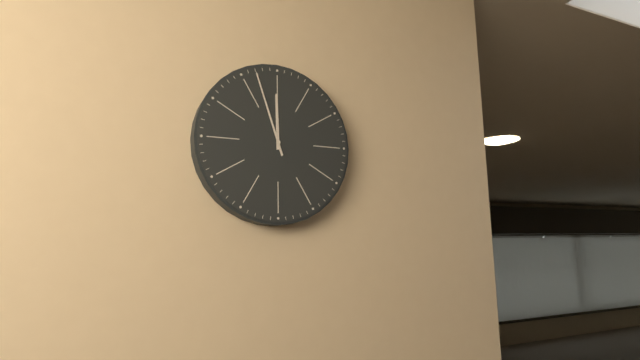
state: 11:57
